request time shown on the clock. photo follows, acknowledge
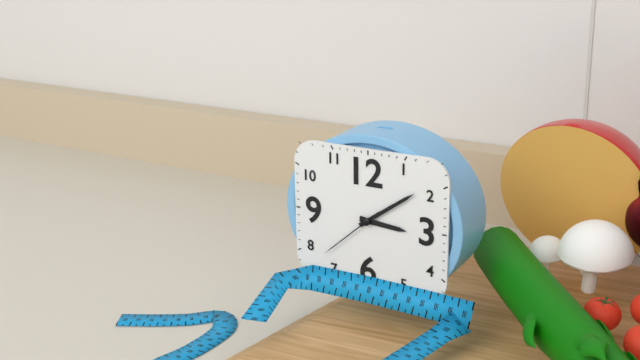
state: 3:09:38
